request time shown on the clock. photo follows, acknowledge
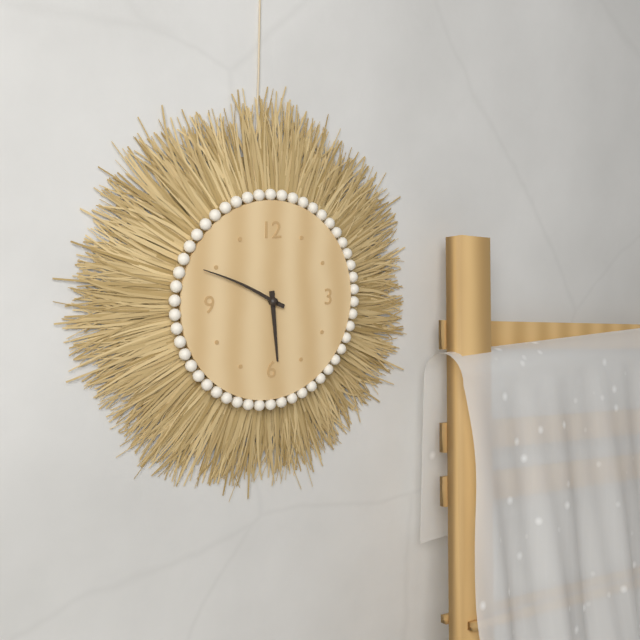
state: 5:49
